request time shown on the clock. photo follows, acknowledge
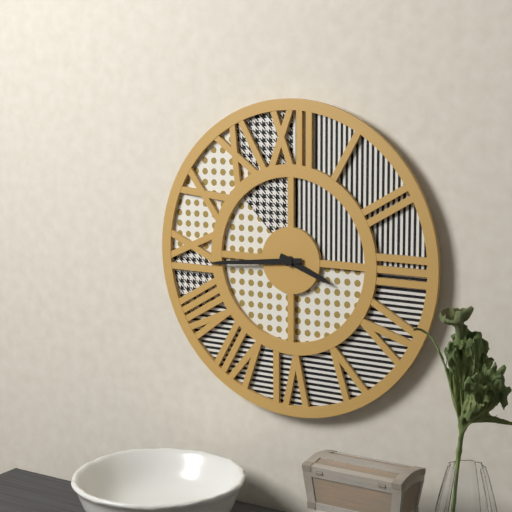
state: 3:44
